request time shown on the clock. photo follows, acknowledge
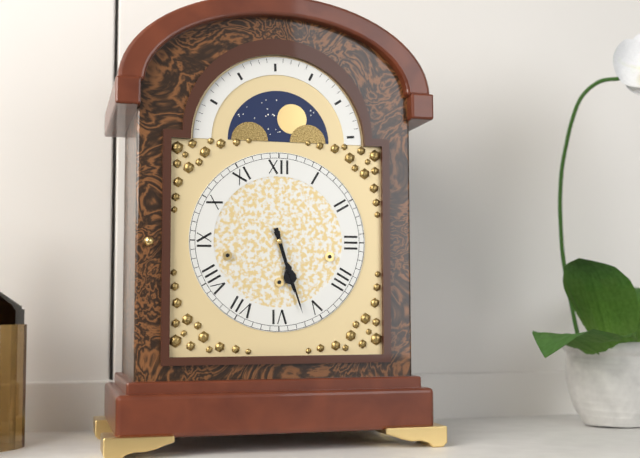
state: 5:27
